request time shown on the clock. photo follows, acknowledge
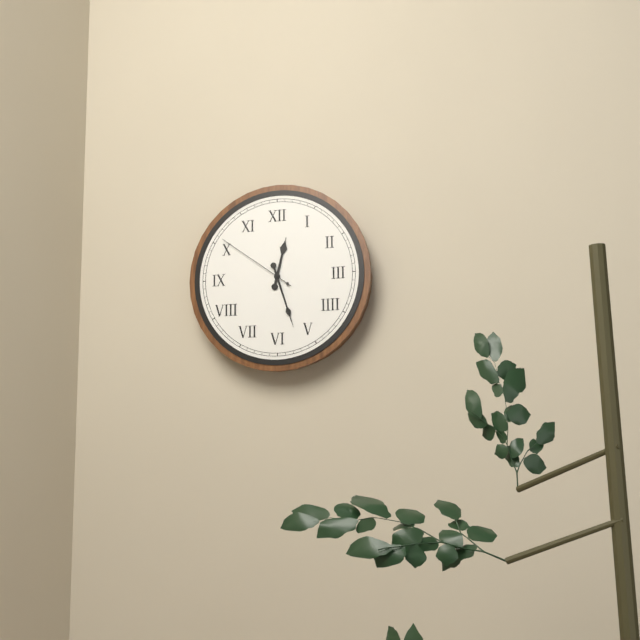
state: 12:27:51
